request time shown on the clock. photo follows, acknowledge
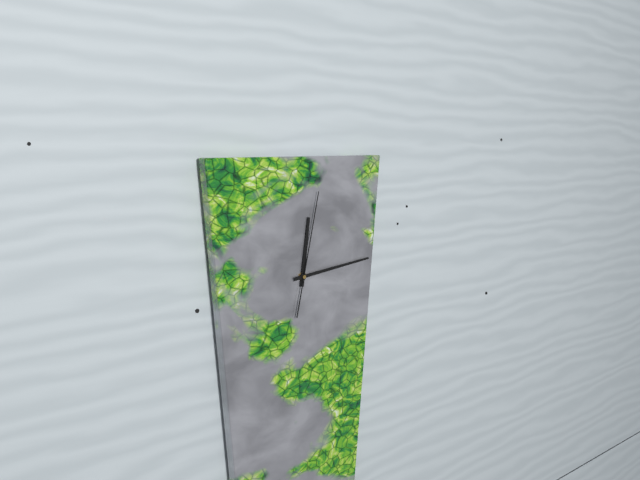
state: 12:14:02
